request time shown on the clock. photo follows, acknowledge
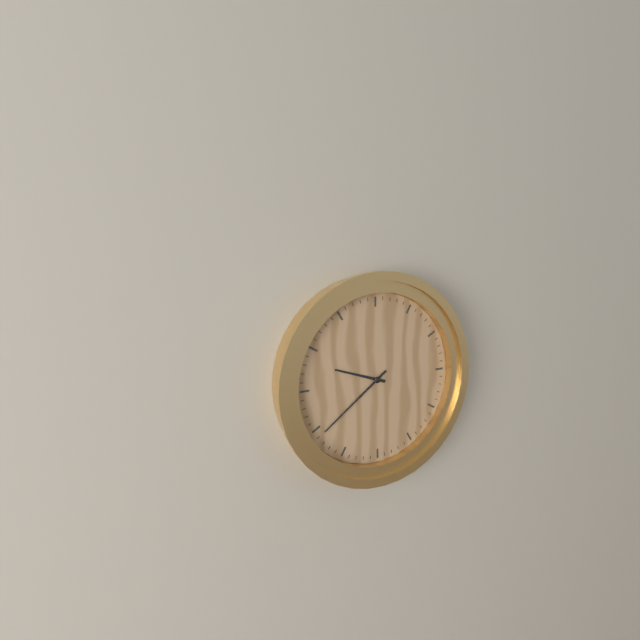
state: 9:39
